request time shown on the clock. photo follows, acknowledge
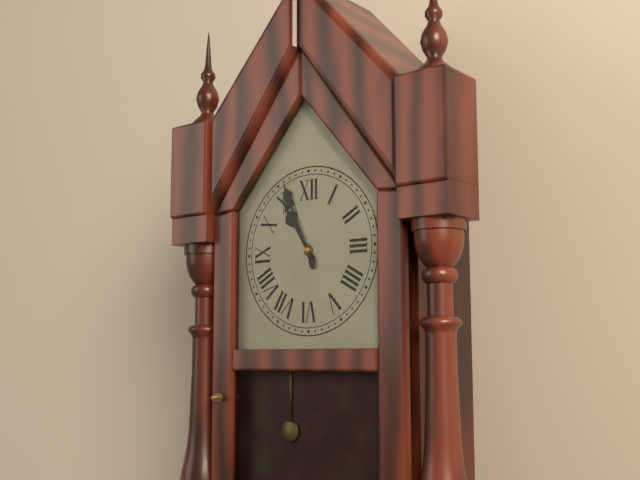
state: 10:56
